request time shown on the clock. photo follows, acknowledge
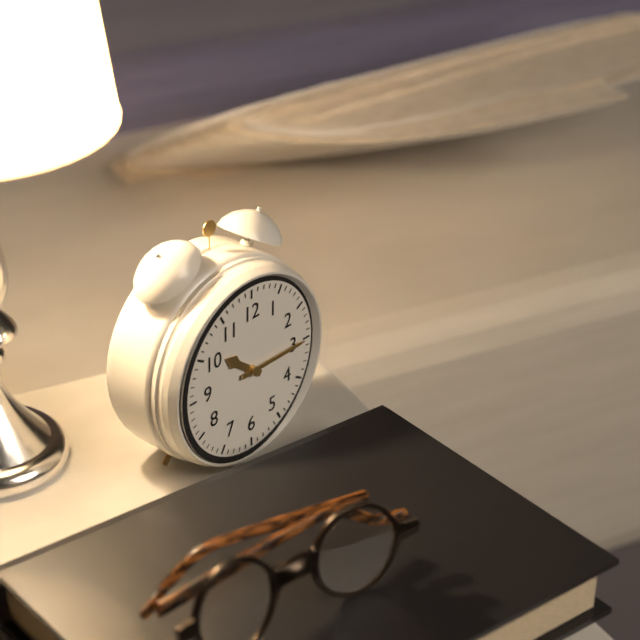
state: 10:15
